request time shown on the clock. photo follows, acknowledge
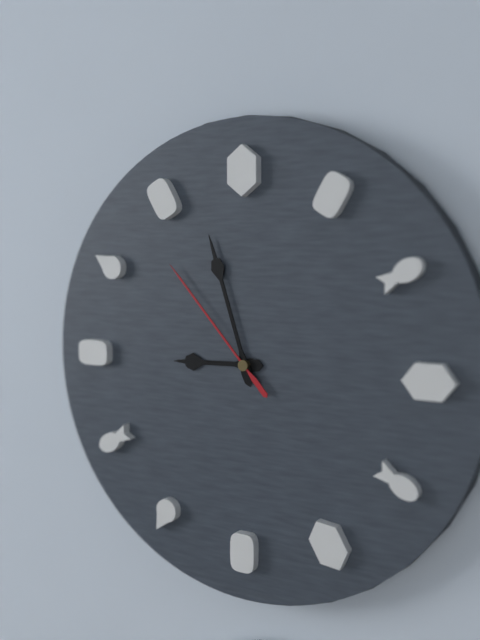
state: 8:57:53
